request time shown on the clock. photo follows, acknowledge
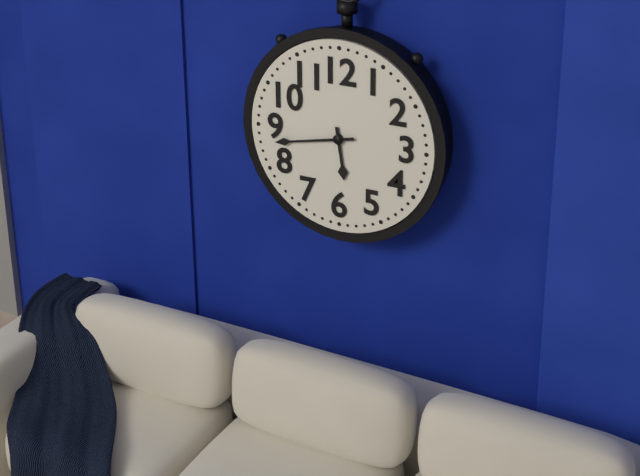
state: 5:43
